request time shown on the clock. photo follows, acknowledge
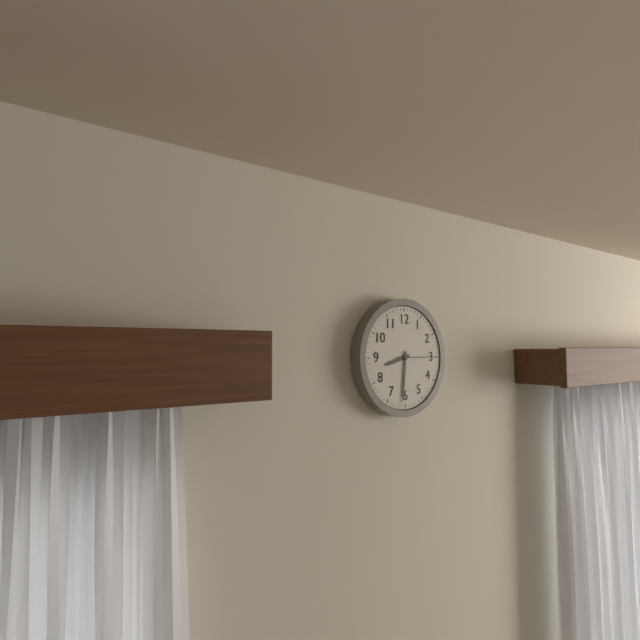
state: 8:31
